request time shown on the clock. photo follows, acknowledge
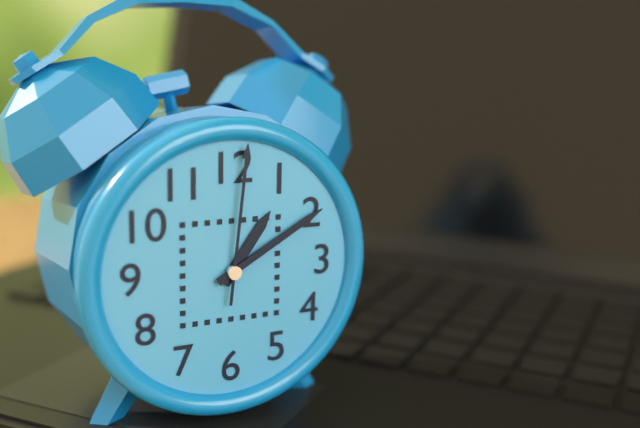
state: 1:10:01
